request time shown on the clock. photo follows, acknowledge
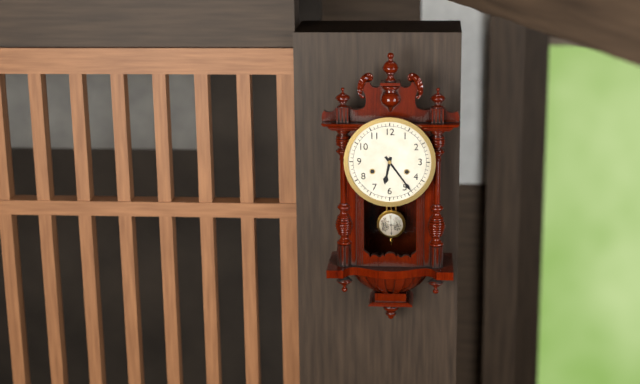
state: 6:24
